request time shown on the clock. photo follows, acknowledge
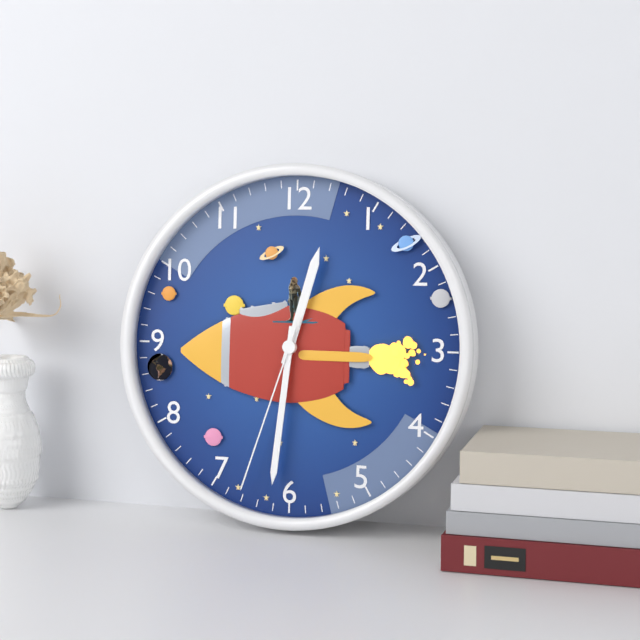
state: 12:31:33
